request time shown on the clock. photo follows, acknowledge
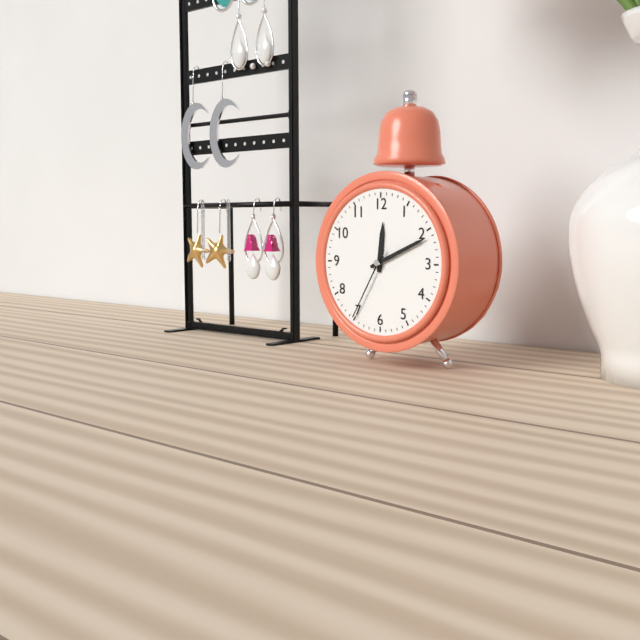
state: 12:11:35
